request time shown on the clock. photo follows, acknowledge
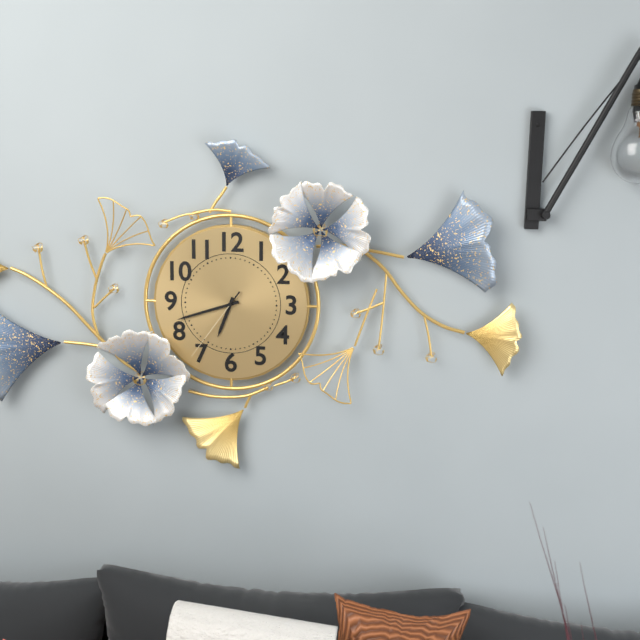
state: 6:42:36
